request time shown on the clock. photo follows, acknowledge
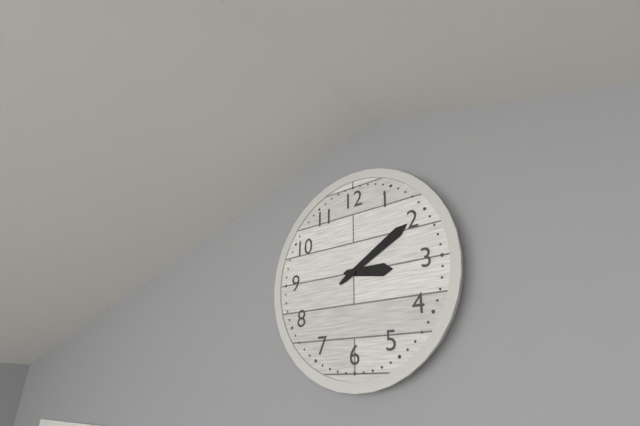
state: 3:10
